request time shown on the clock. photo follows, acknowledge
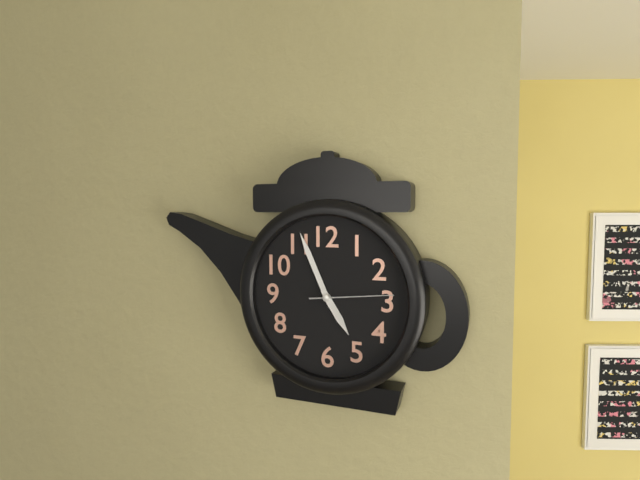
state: 4:56:14
